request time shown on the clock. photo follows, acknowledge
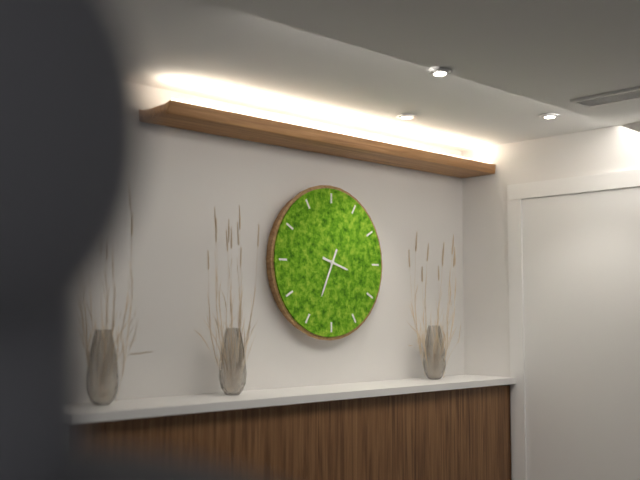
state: 3:34
